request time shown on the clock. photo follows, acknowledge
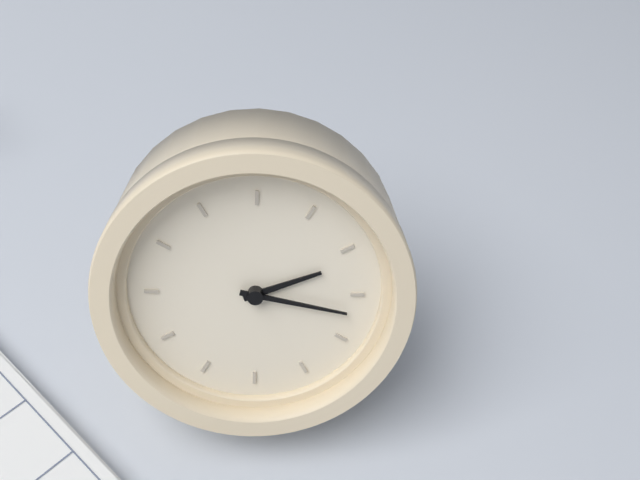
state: 2:17
